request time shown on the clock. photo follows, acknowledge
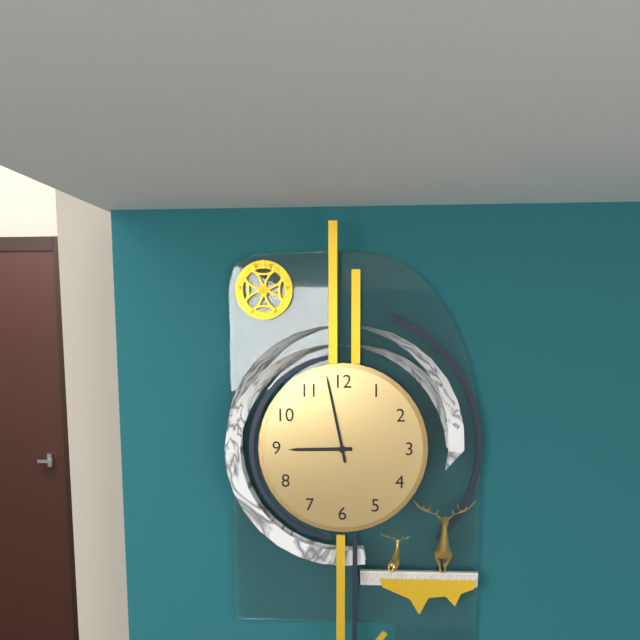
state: 8:58
